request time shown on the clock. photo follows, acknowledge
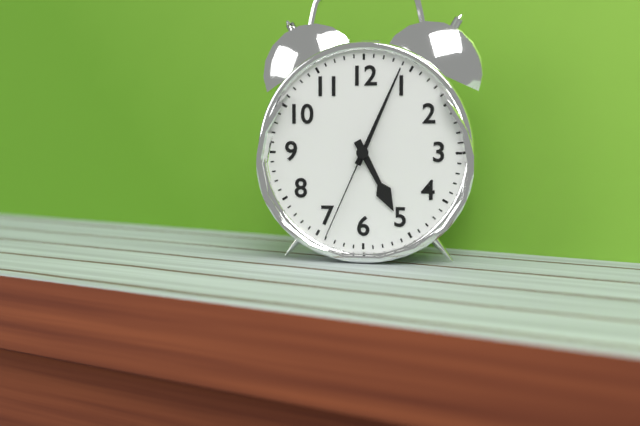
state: 5:04:34
